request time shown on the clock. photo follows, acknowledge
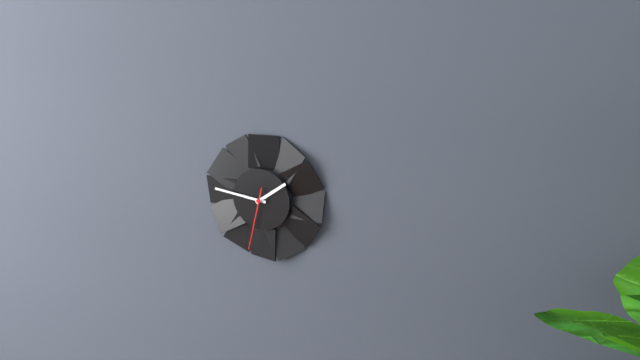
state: 1:46:32
